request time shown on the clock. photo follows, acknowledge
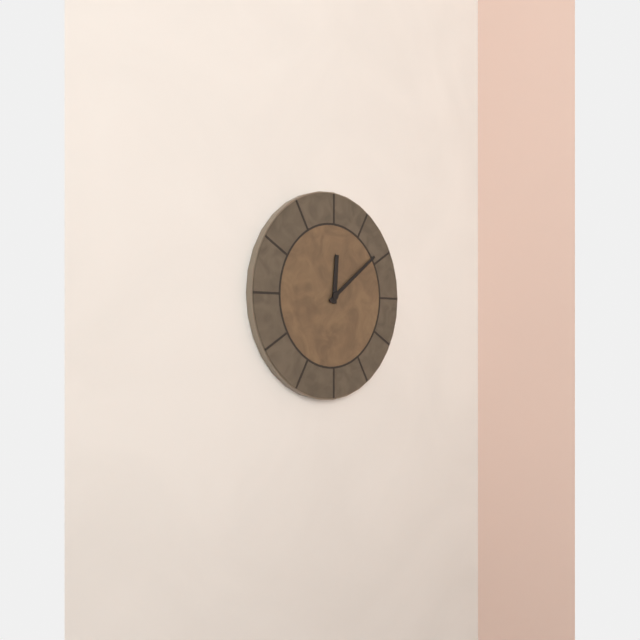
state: 12:09
